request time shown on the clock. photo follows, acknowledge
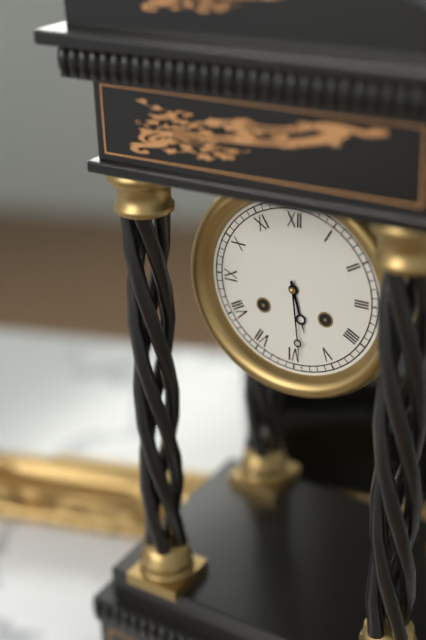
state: 5:29
